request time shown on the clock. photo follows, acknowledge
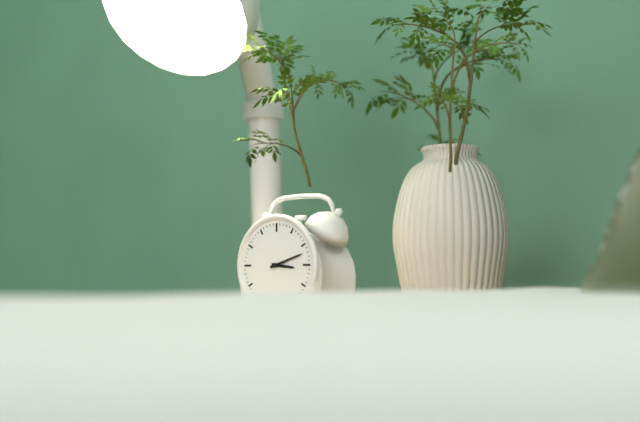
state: 3:12
